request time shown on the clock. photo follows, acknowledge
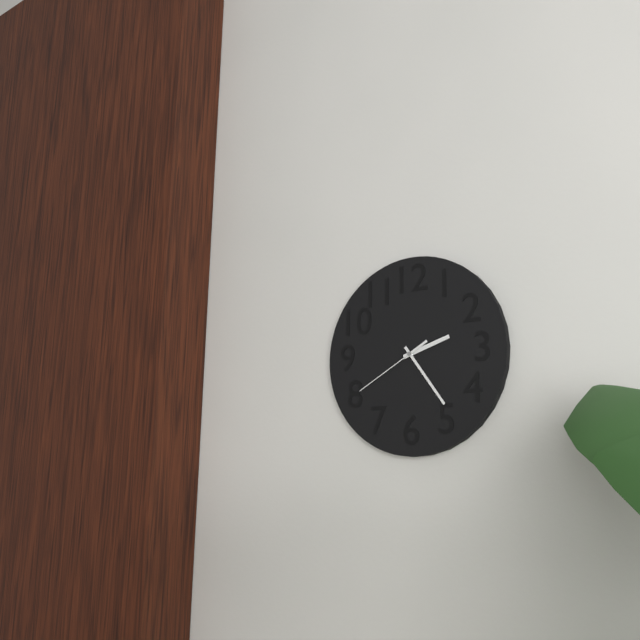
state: 2:24:40
